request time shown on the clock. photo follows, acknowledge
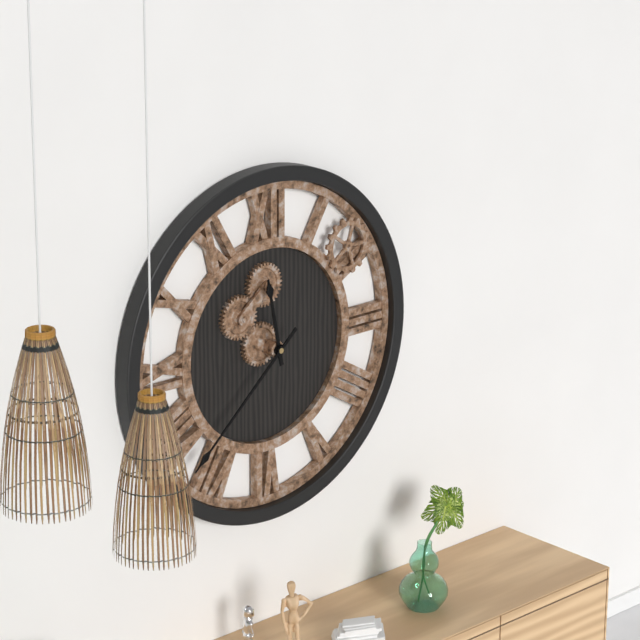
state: 11:38
